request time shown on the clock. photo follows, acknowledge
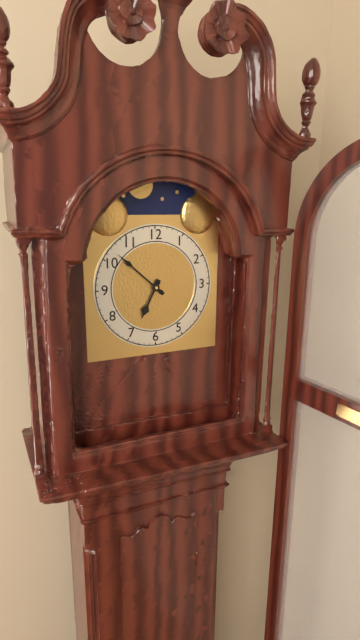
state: 6:52
